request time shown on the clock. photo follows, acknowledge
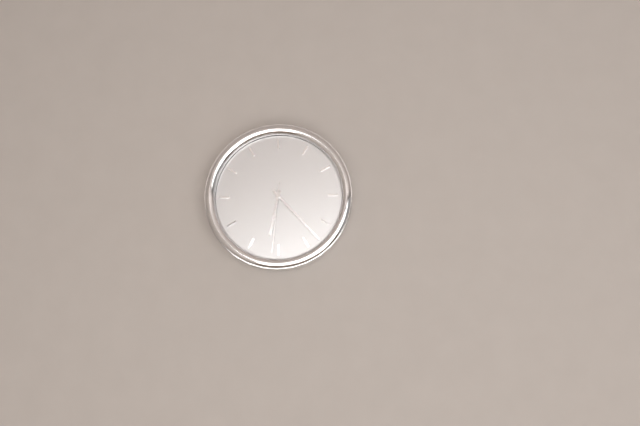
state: 6:23:31
